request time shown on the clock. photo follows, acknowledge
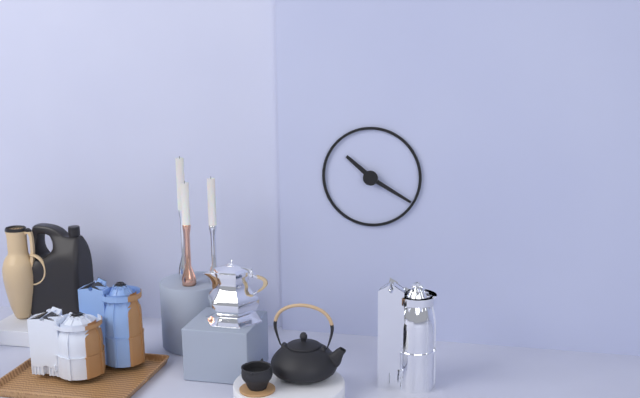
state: 10:20
